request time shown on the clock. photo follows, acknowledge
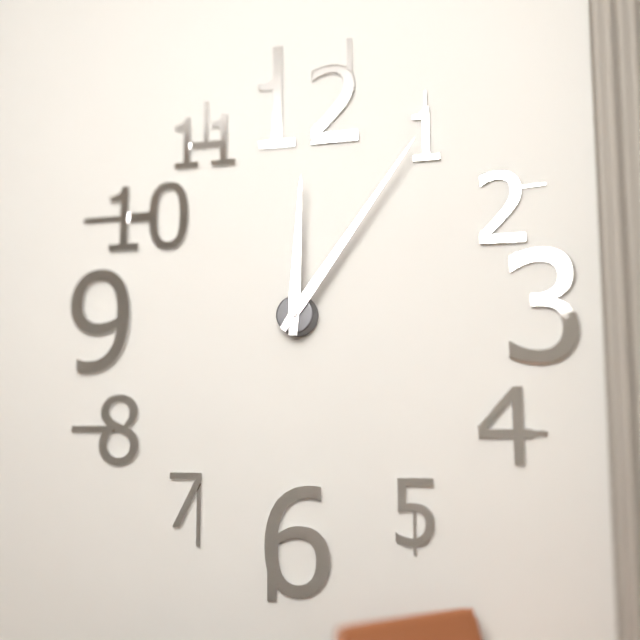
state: 12:06
